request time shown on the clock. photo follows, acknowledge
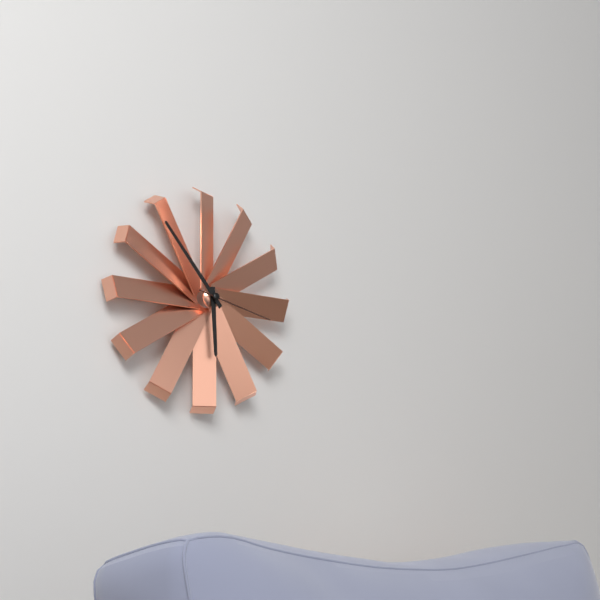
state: 5:53:17
